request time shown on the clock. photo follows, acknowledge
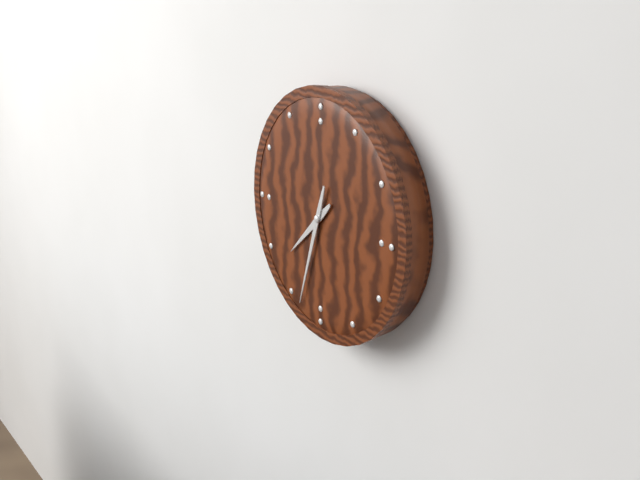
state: 7:33
